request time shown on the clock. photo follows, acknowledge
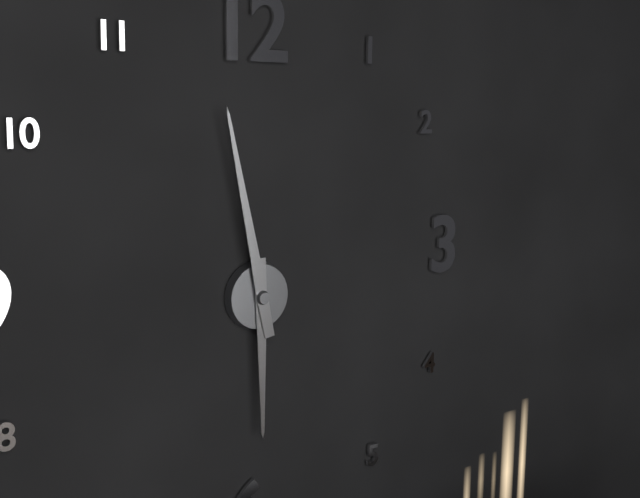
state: 5:58
